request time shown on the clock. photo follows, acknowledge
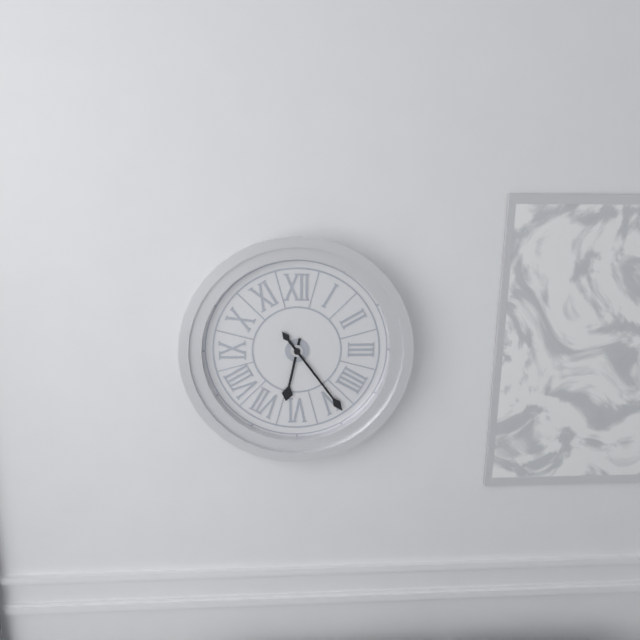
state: 6:24
